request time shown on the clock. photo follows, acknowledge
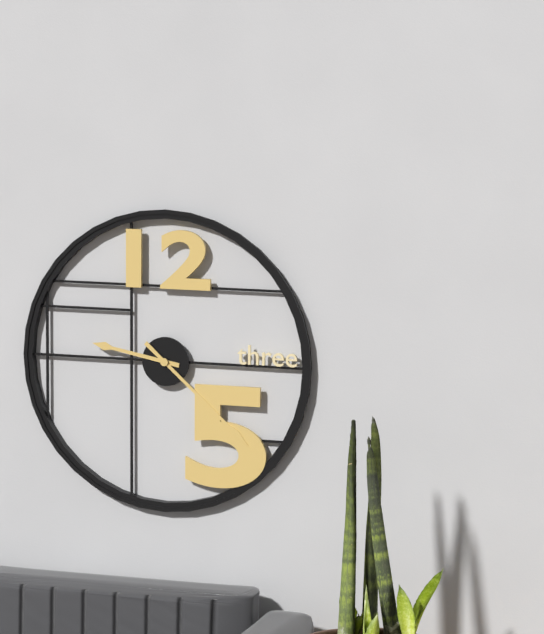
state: 9:22
